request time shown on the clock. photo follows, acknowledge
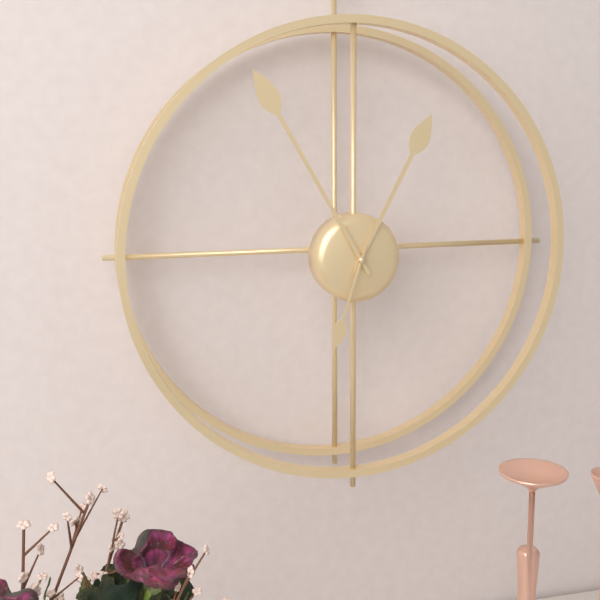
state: 12:55:33
